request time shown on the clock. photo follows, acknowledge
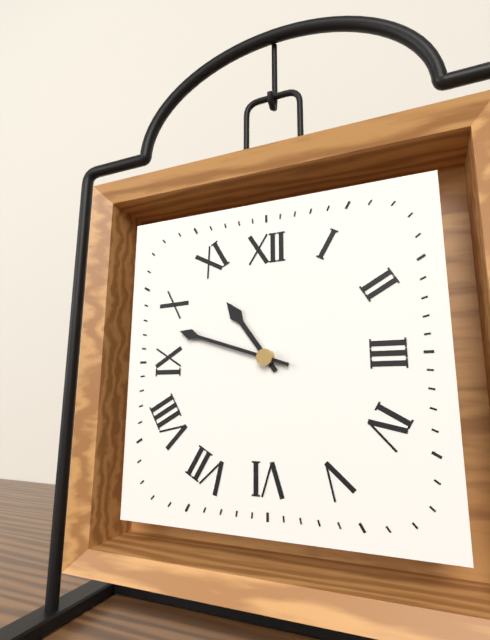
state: 10:48
